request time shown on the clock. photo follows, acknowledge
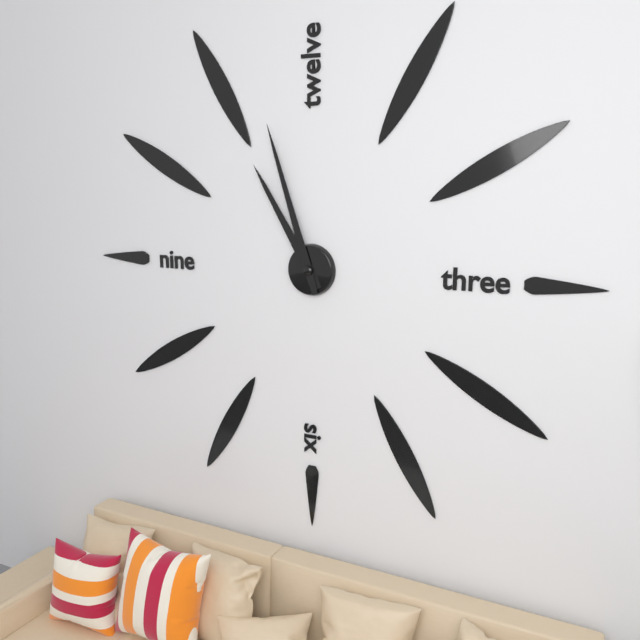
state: 10:57
